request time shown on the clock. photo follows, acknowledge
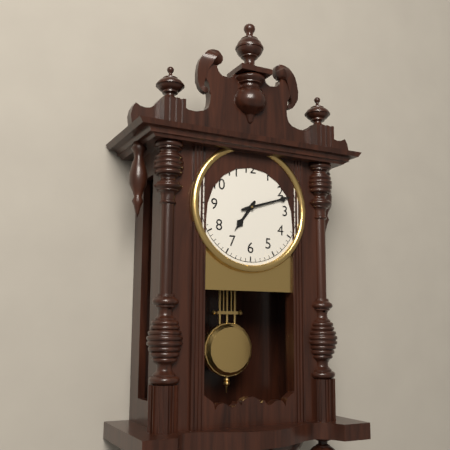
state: 7:12
